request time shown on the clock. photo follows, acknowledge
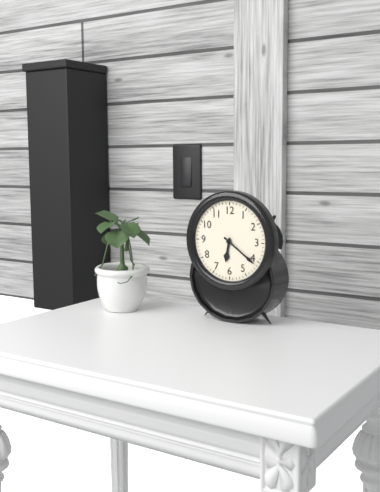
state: 6:21
